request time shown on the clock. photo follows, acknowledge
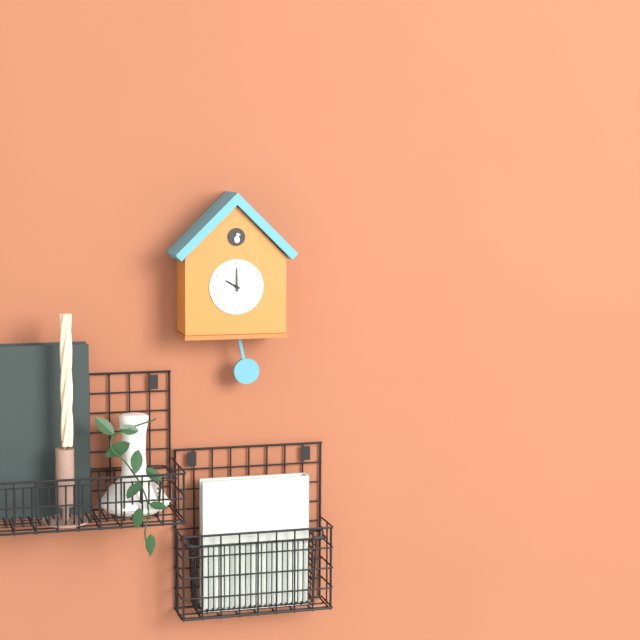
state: 10:00
